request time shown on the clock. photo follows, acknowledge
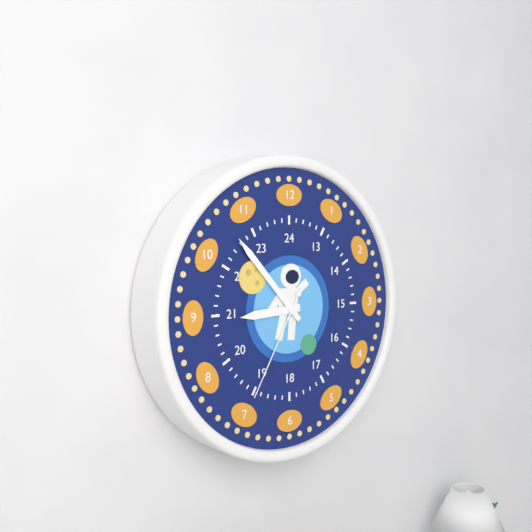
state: 8:53:35
